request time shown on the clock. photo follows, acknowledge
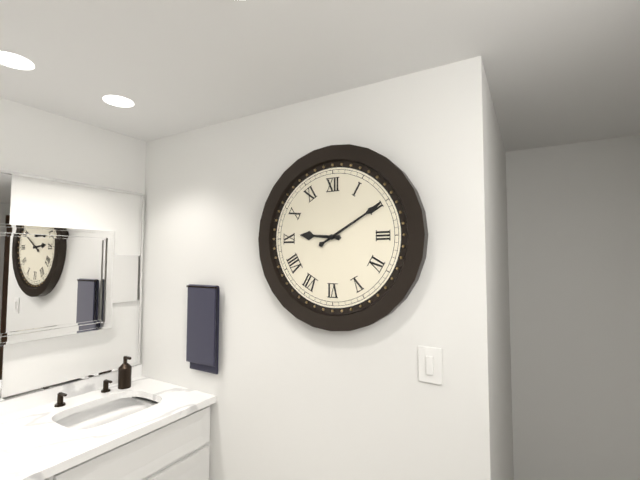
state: 9:10
